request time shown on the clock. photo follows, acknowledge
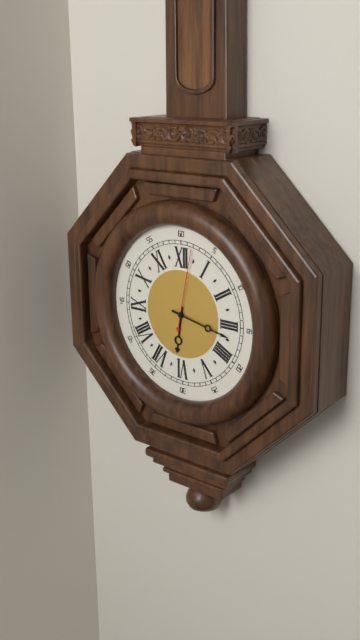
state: 6:17:02
